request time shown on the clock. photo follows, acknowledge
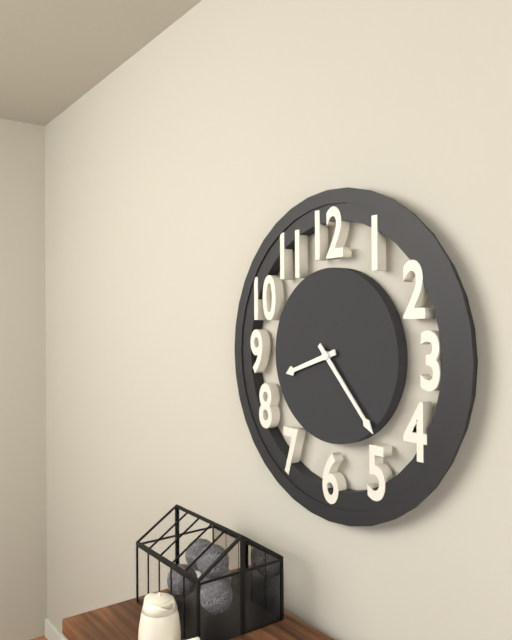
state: 8:23
